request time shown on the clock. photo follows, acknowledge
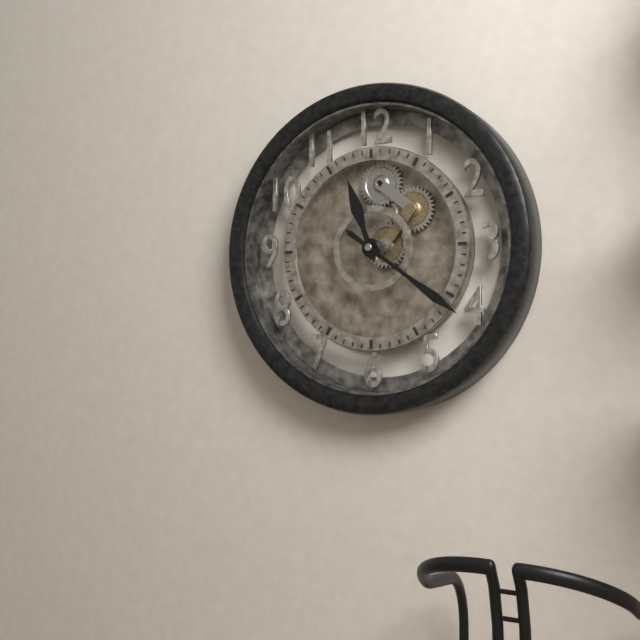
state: 11:21
